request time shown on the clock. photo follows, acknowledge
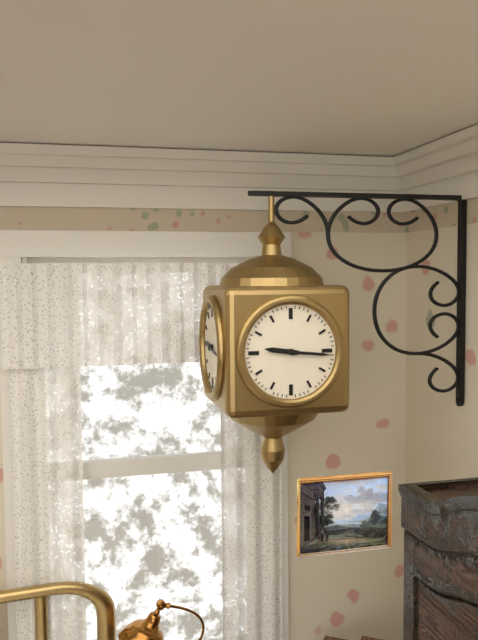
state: 9:16
